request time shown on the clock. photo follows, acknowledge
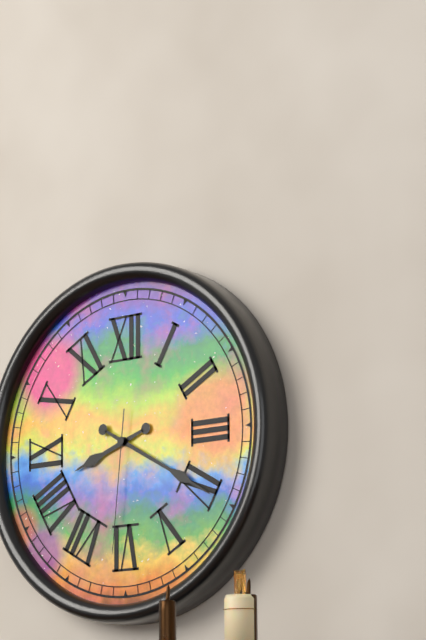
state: 8:20:31
